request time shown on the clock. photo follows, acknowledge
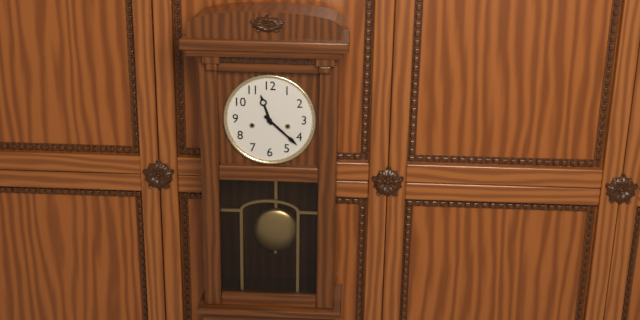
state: 11:22
